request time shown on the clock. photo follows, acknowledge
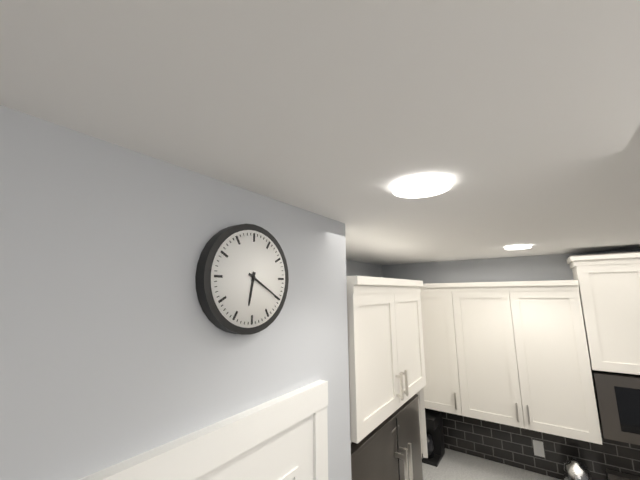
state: 6:20
